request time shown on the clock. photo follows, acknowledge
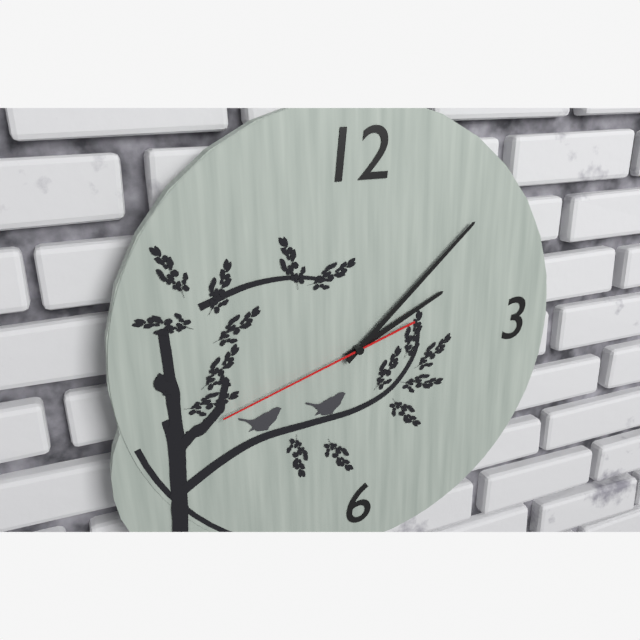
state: 2:08:42
